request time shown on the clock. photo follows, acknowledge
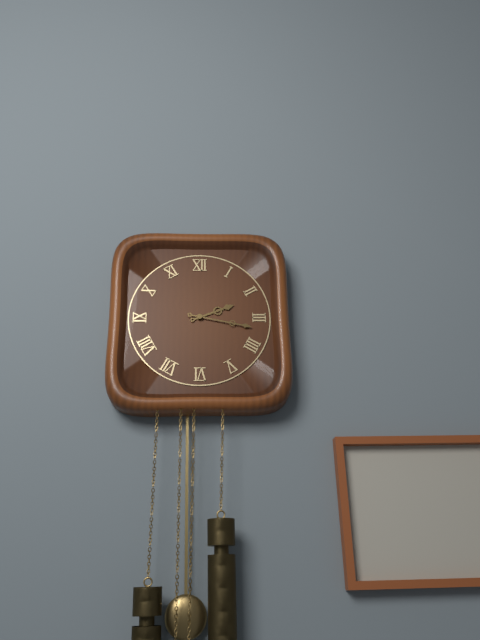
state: 2:17
